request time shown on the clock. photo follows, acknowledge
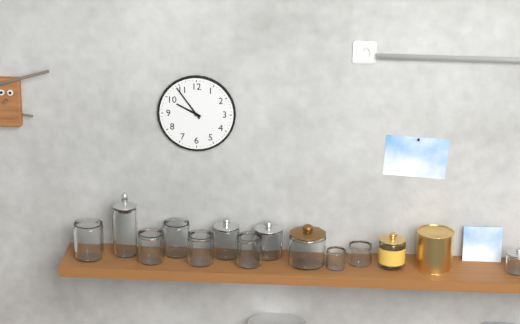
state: 9:54
